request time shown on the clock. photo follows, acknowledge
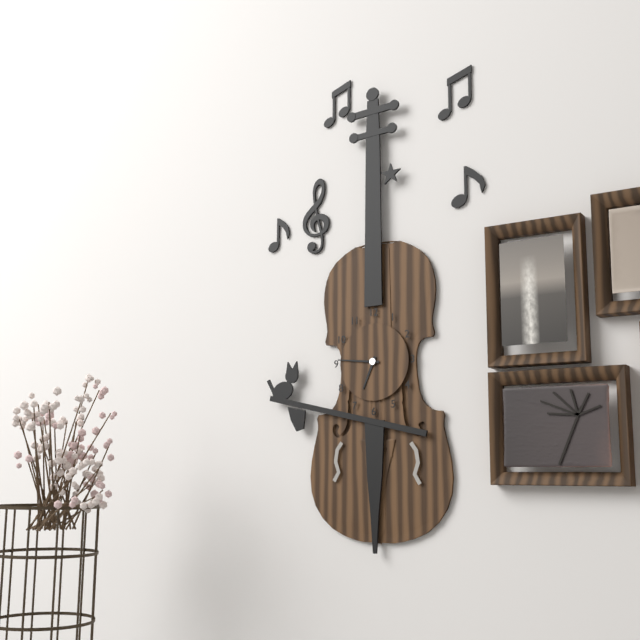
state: 6:46
